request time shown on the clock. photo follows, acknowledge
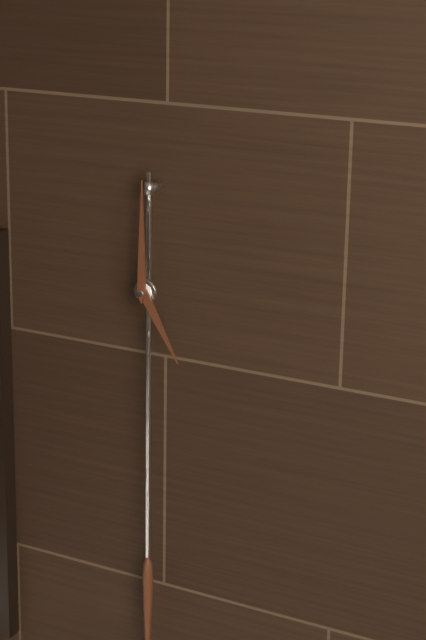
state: 5:00
